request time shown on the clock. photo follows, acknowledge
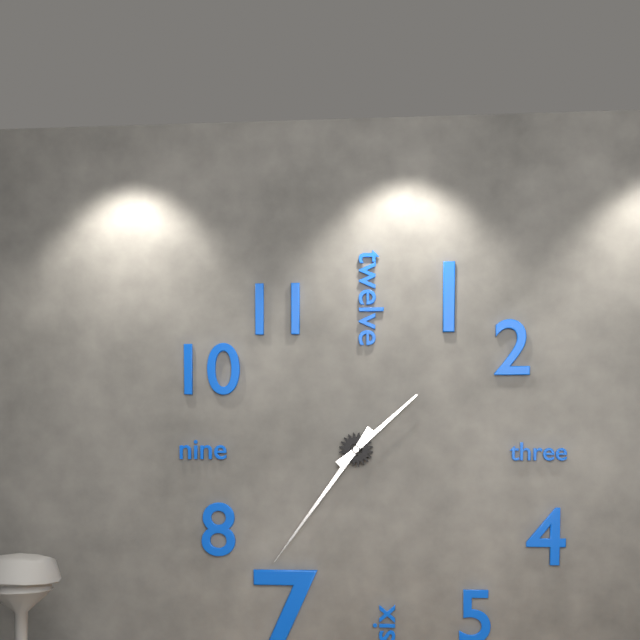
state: 1:36
